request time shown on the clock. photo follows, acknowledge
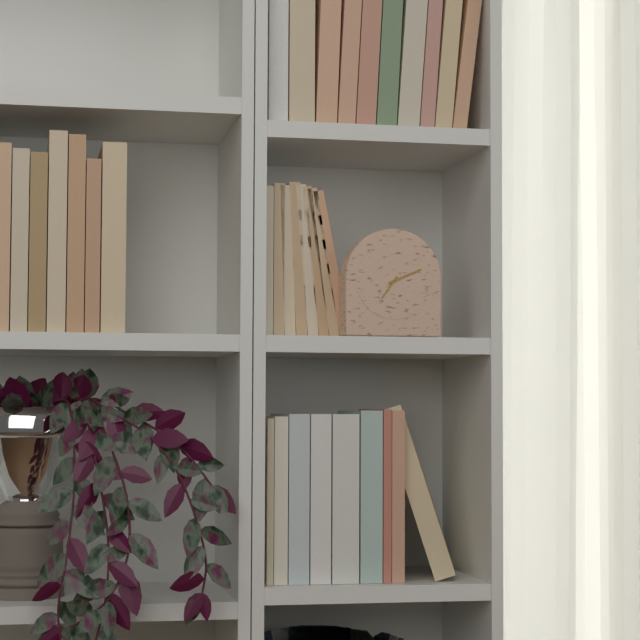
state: 7:11
